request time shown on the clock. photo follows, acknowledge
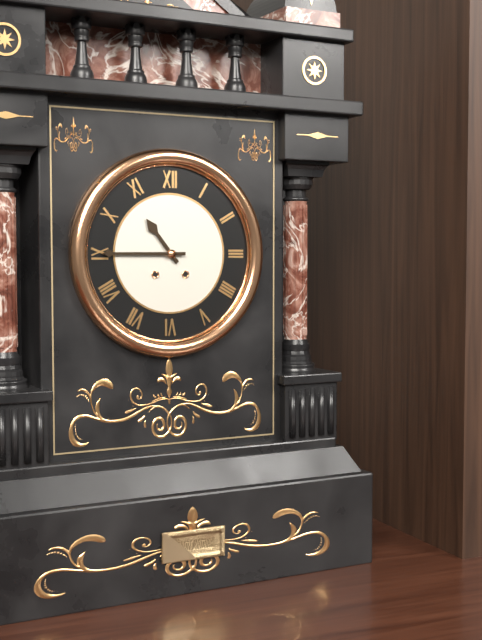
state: 10:45
